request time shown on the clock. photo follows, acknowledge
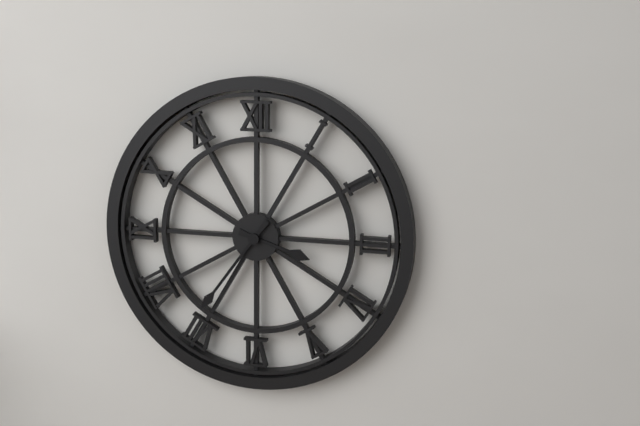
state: 3:36
